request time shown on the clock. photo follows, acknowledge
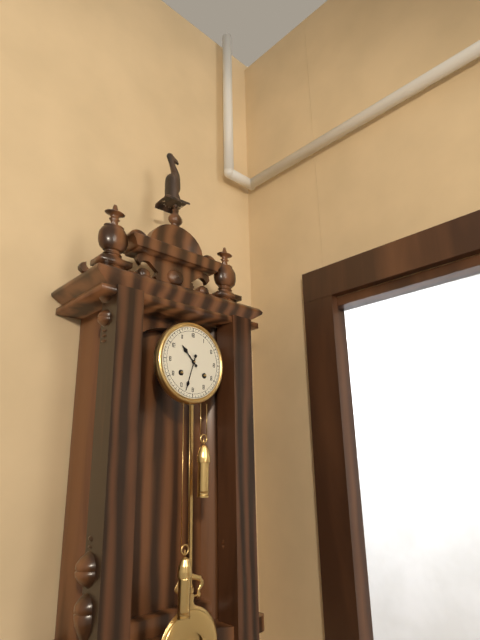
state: 10:33
